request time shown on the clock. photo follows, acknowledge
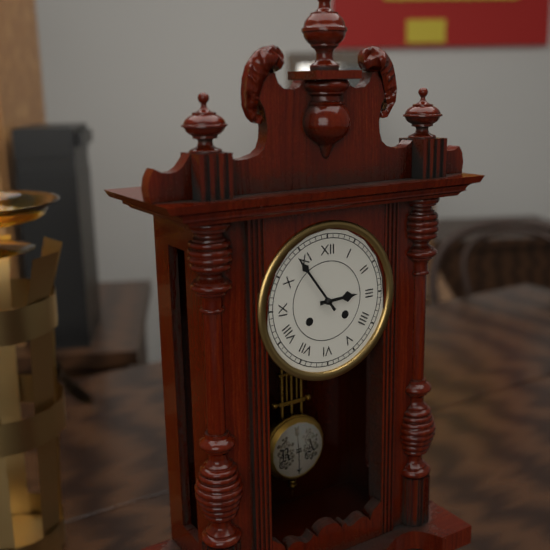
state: 2:54
